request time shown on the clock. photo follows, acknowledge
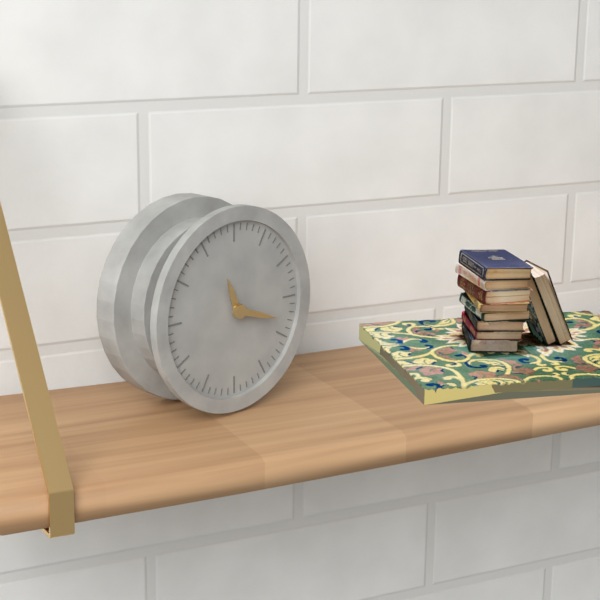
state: 11:18
